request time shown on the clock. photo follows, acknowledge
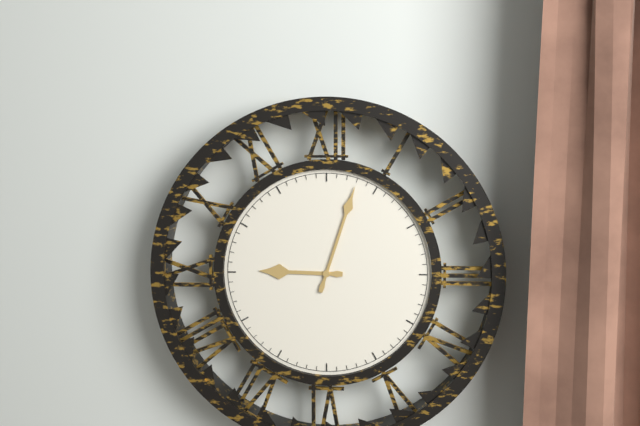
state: 9:03
